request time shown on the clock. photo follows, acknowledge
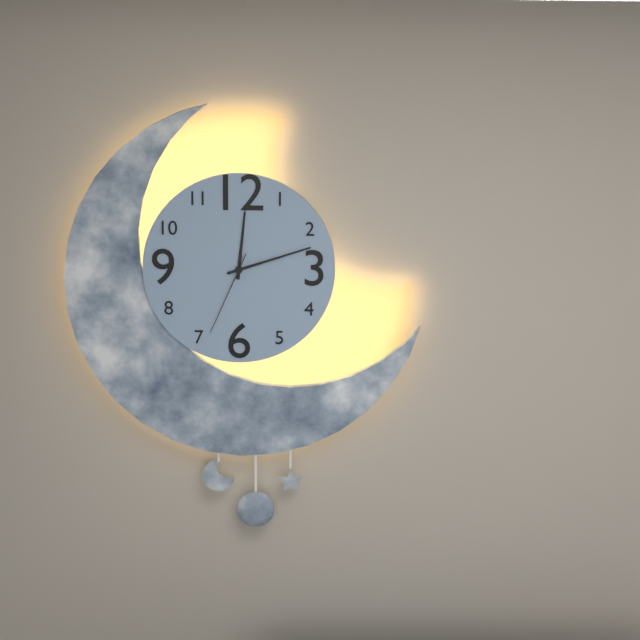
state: 12:12:34
